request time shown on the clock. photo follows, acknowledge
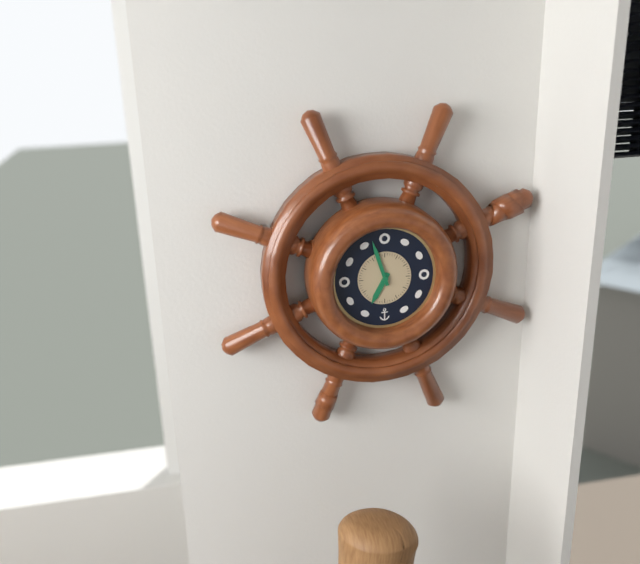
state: 6:57
